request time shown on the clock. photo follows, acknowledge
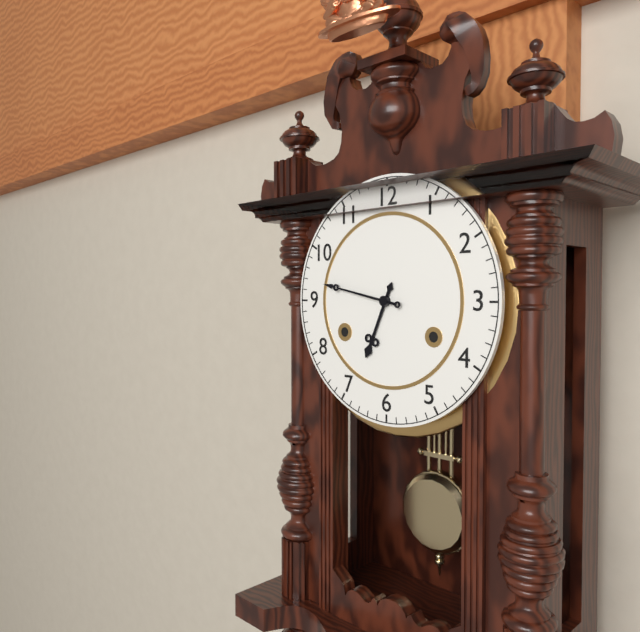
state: 6:47
